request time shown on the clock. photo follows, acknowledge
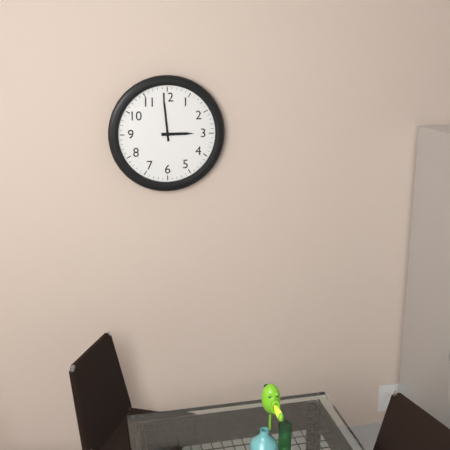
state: 2:59
